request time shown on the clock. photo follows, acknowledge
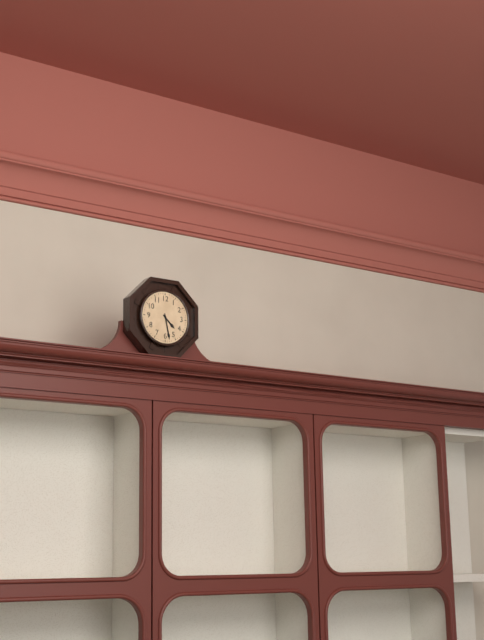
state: 4:28
